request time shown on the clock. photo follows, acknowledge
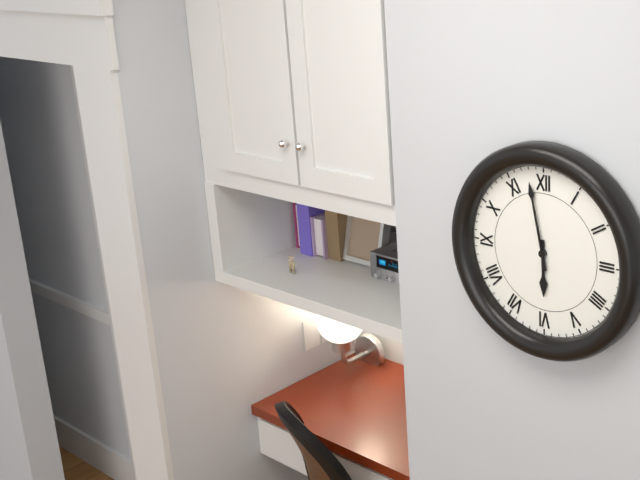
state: 5:58
